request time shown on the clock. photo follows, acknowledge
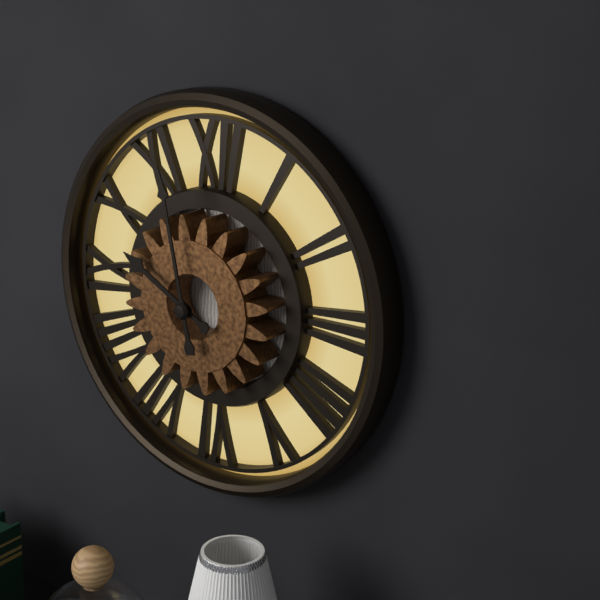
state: 9:58
